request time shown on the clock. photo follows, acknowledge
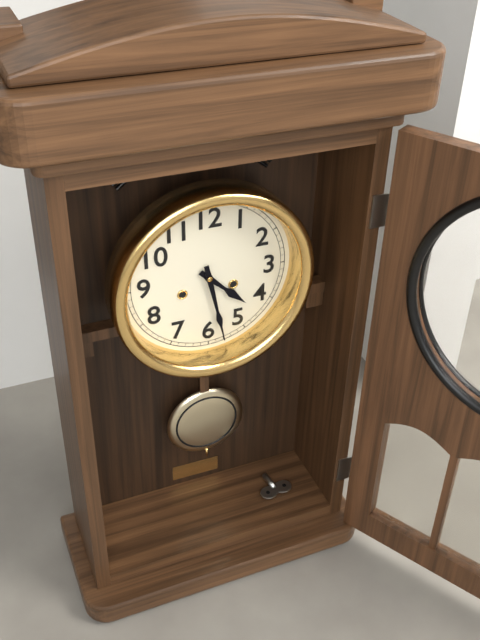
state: 4:28
